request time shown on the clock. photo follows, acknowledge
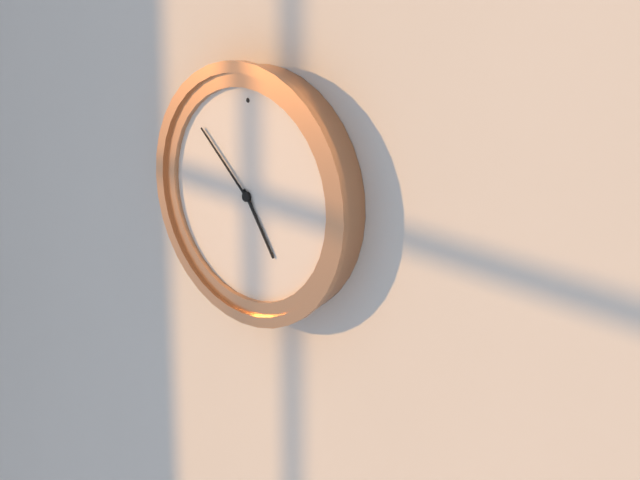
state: 4:52
